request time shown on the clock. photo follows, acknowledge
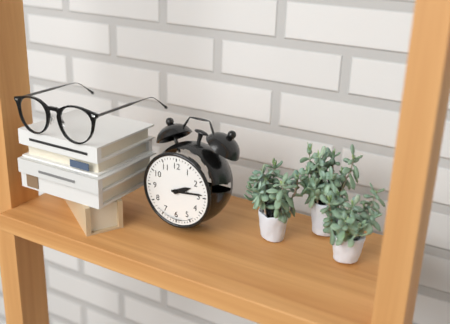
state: 2:14
